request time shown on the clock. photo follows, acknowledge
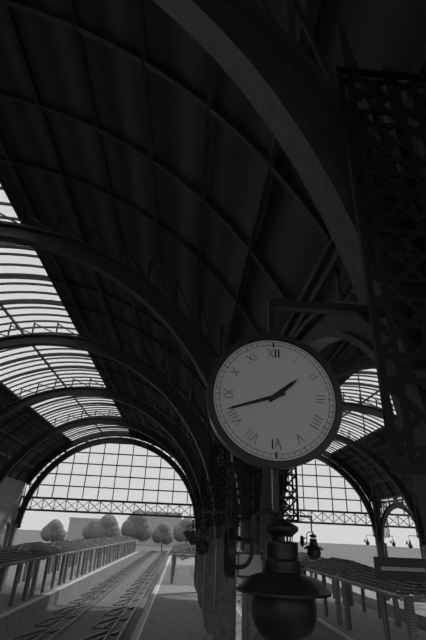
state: 1:42
